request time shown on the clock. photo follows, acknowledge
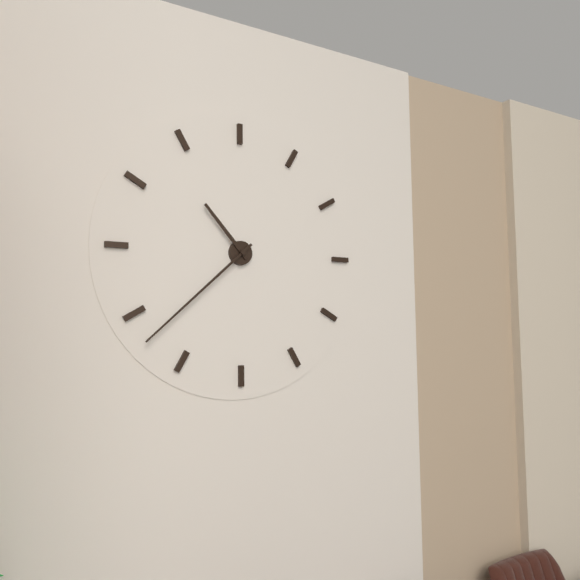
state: 10:38
